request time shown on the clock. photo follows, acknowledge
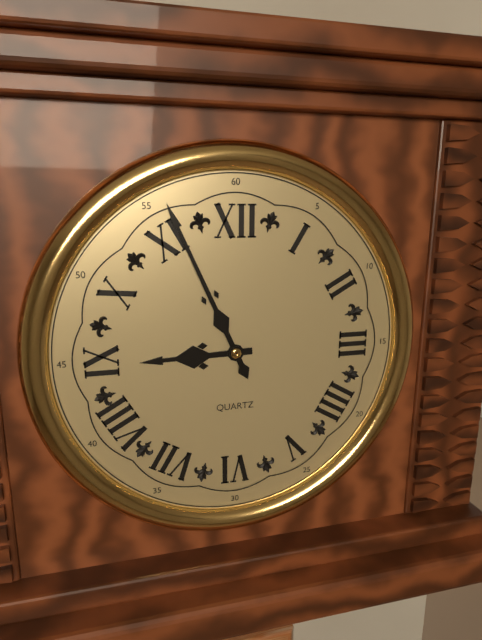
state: 8:56
